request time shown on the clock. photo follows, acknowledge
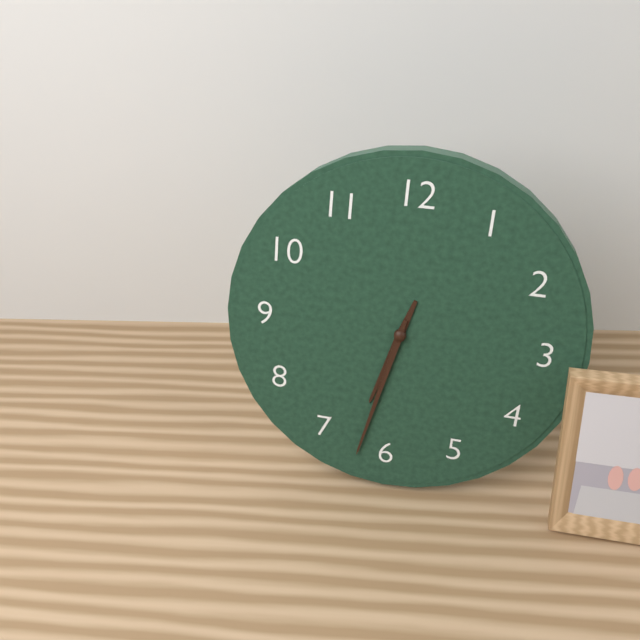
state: 6:32
